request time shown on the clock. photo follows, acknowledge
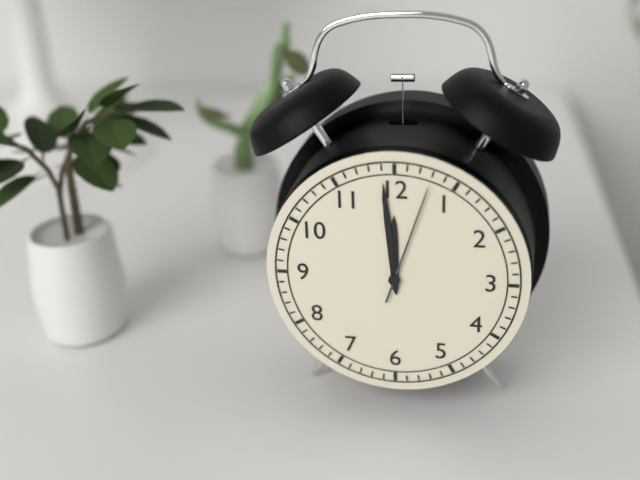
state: 11:59:03
